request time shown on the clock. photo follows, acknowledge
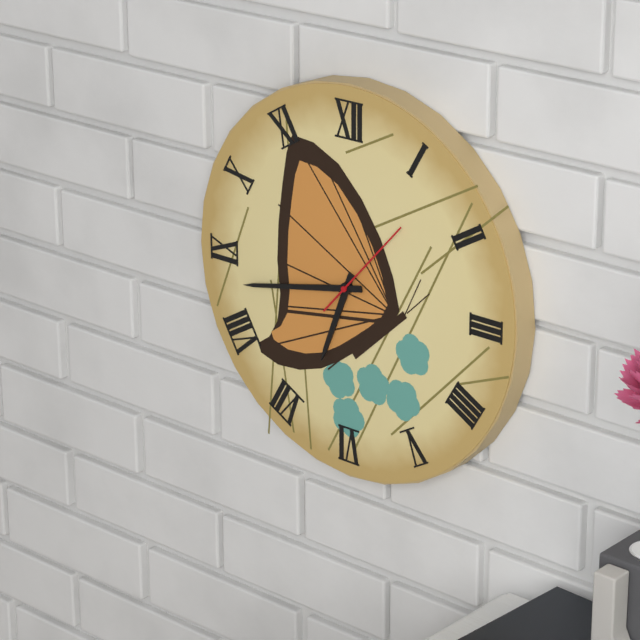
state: 6:43:07
